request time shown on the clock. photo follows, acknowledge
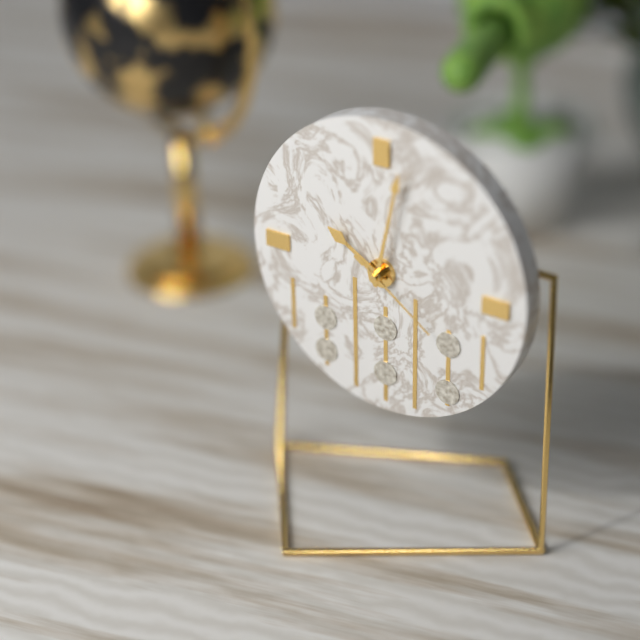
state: 10:02:21
